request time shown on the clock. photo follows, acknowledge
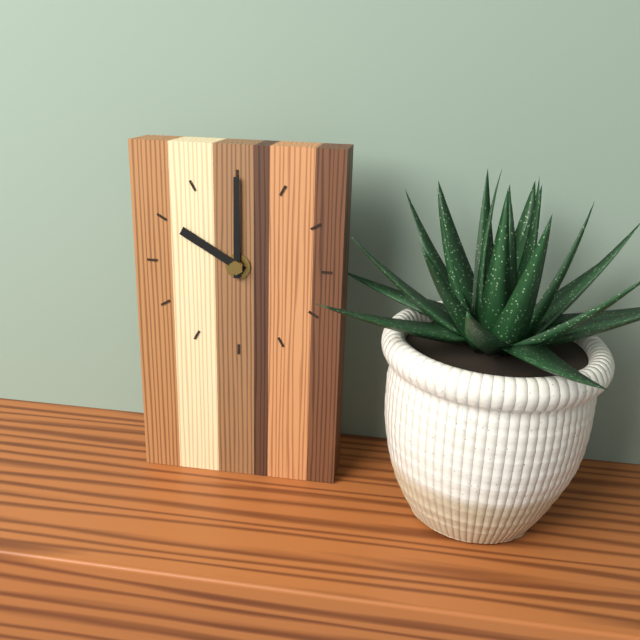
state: 10:00
